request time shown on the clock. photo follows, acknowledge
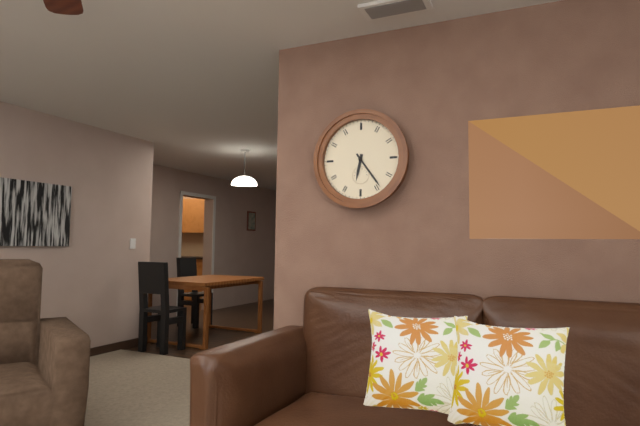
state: 6:24
